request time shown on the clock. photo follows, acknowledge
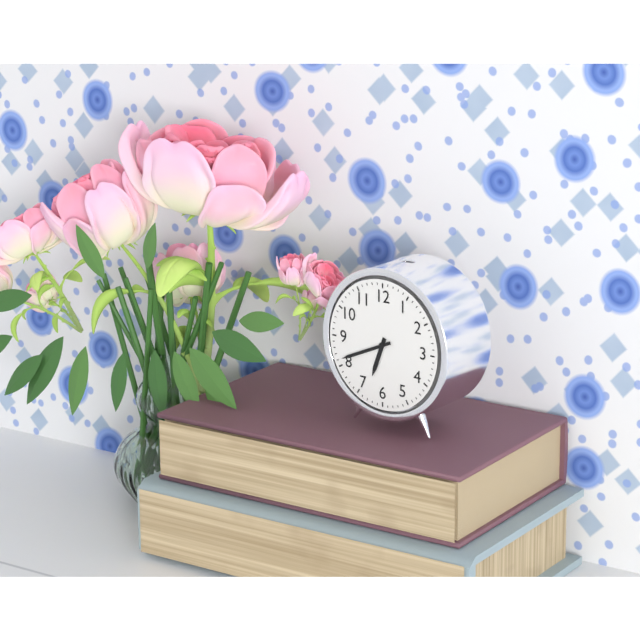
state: 6:41
